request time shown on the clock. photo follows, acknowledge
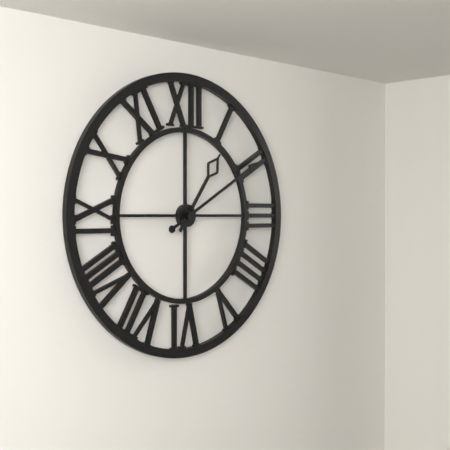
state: 1:10
